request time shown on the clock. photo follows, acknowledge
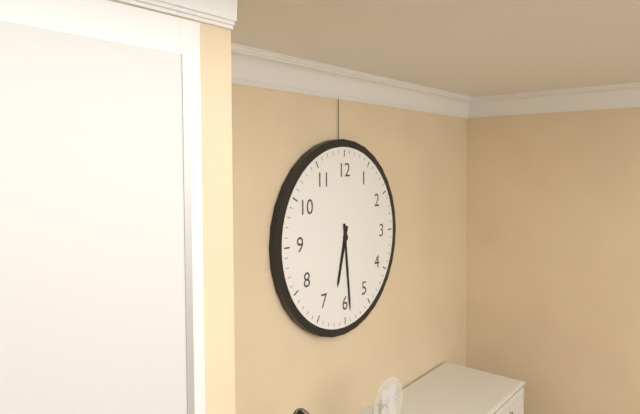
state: 6:29
